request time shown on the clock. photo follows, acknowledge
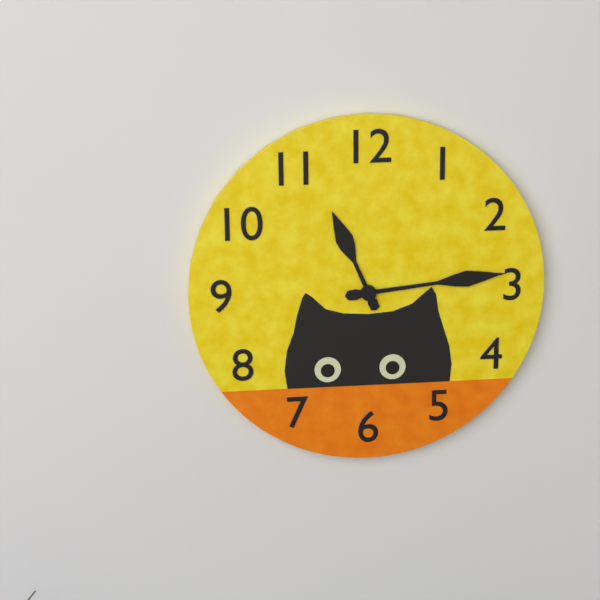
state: 11:14
